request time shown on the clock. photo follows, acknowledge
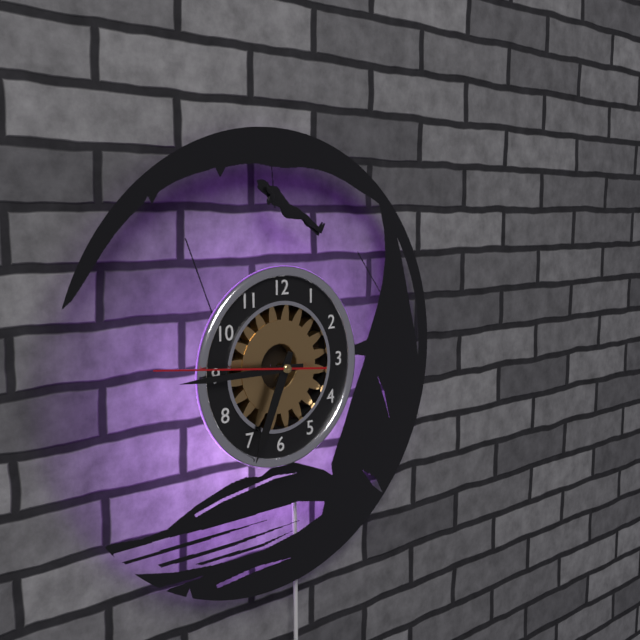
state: 6:45:46
